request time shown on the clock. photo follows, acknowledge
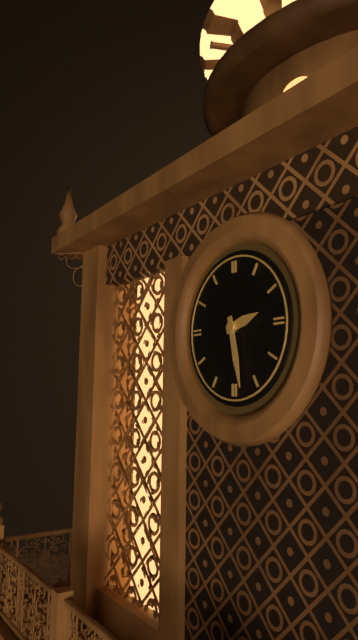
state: 2:28
